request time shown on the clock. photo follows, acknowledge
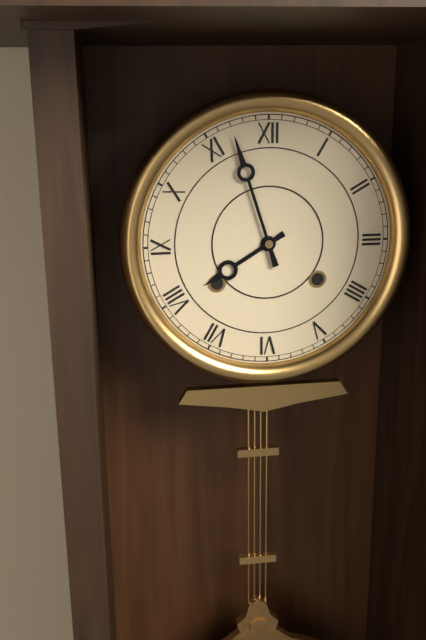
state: 7:57
